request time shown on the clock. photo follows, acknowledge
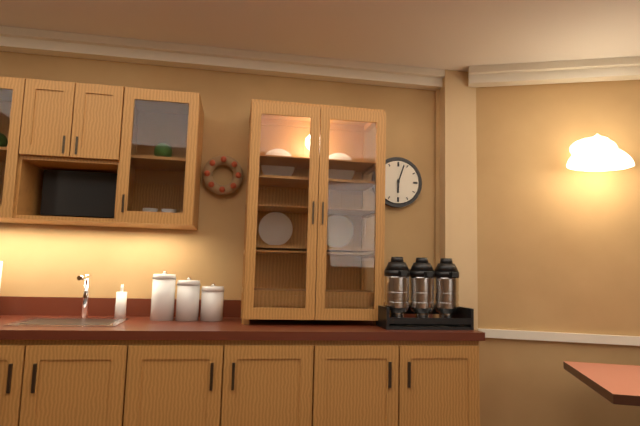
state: 6:03
